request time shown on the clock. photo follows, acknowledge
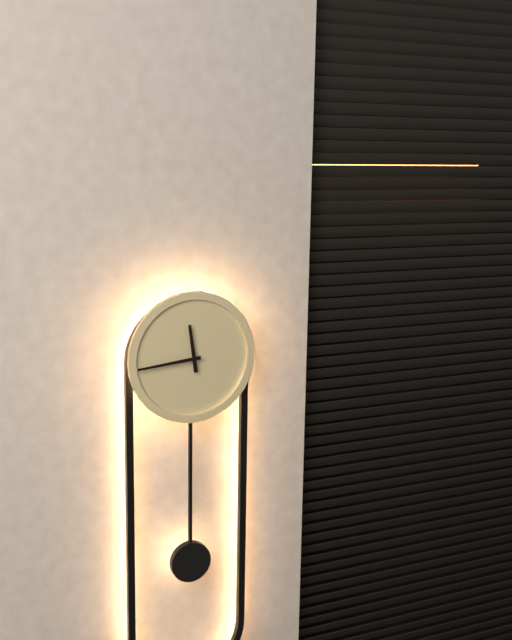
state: 11:44
